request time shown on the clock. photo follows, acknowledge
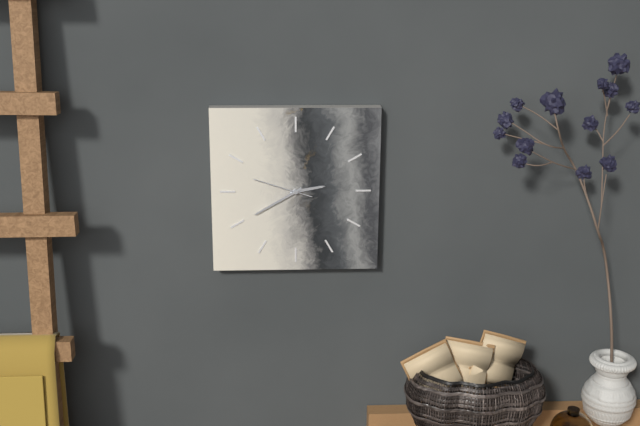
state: 2:40:48
